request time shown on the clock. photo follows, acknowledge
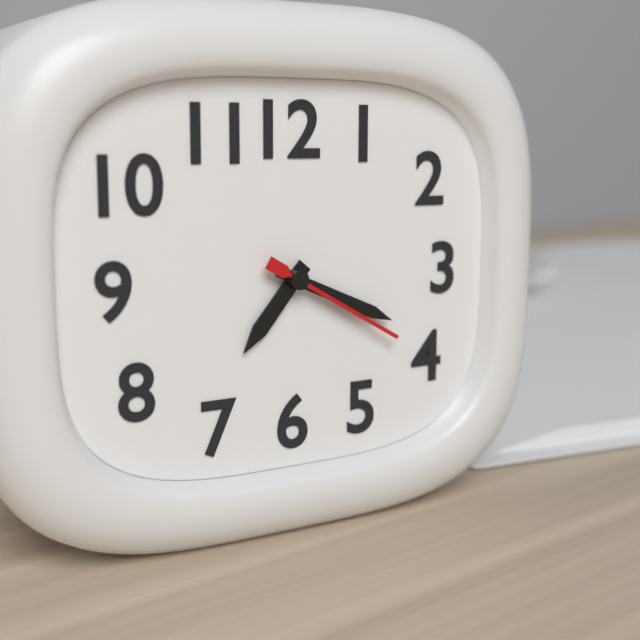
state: 7:19:20
